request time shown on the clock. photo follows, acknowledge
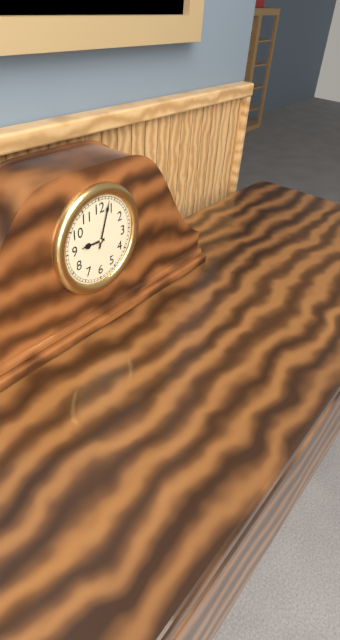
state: 9:03
